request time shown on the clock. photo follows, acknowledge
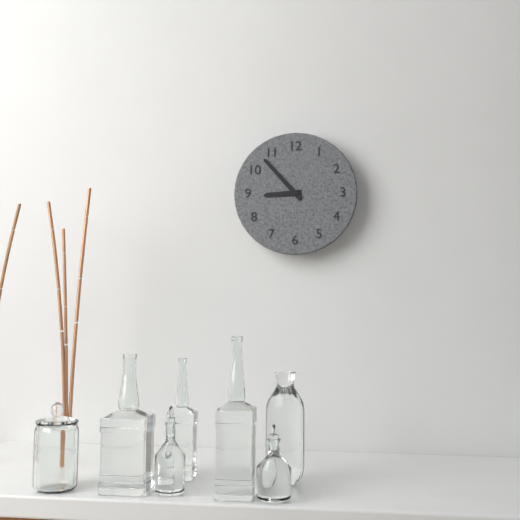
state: 8:53
